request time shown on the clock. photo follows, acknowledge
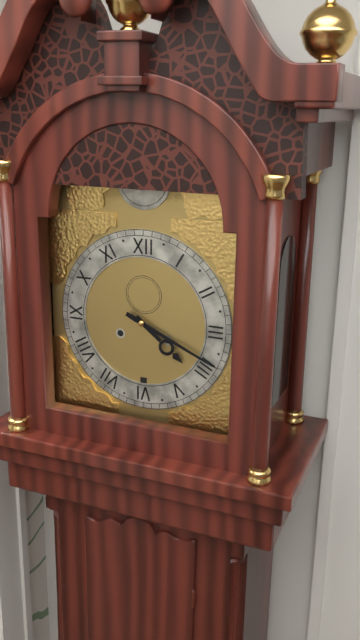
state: 4:19
